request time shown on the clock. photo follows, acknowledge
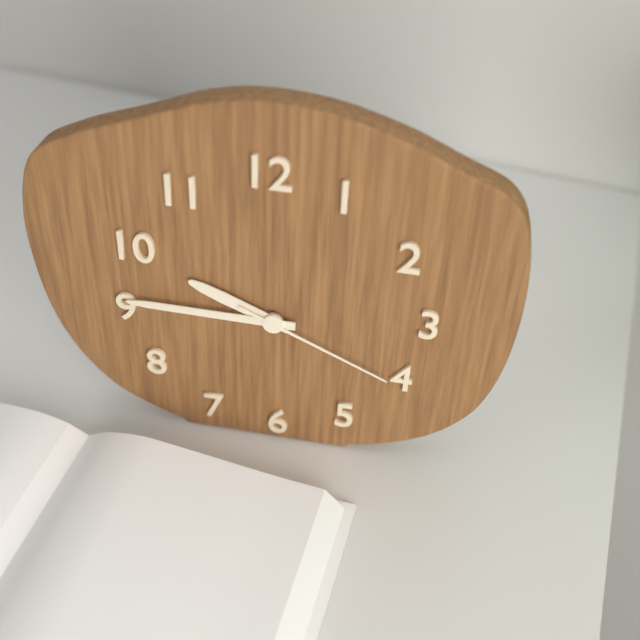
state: 9:45:19
